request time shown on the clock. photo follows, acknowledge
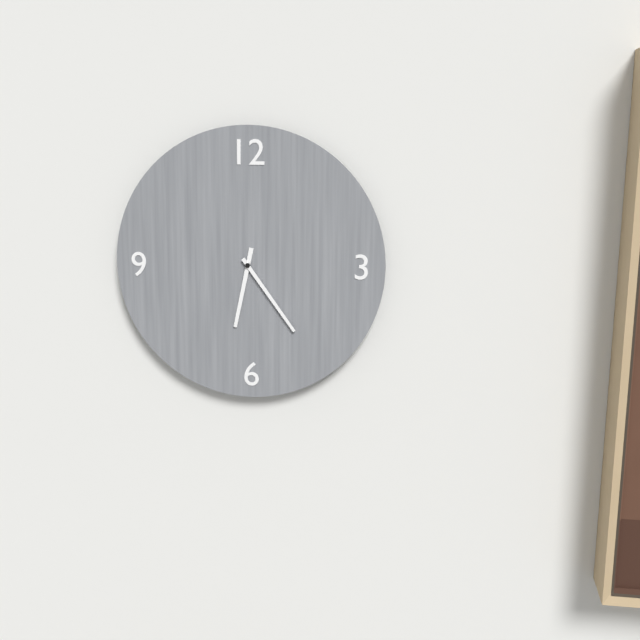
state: 6:24
